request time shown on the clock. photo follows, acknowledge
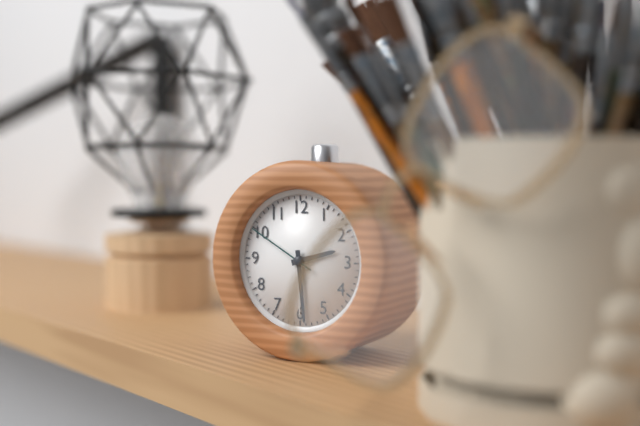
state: 2:29:50
